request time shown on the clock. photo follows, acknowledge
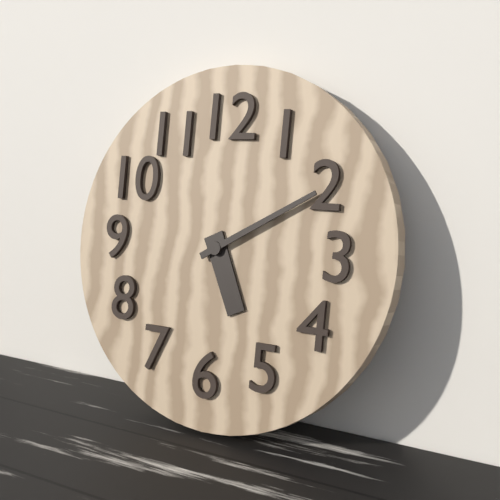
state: 5:10
